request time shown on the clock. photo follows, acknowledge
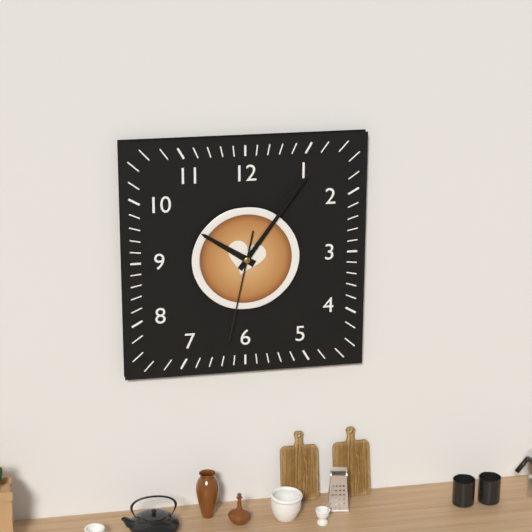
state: 10:06:32
